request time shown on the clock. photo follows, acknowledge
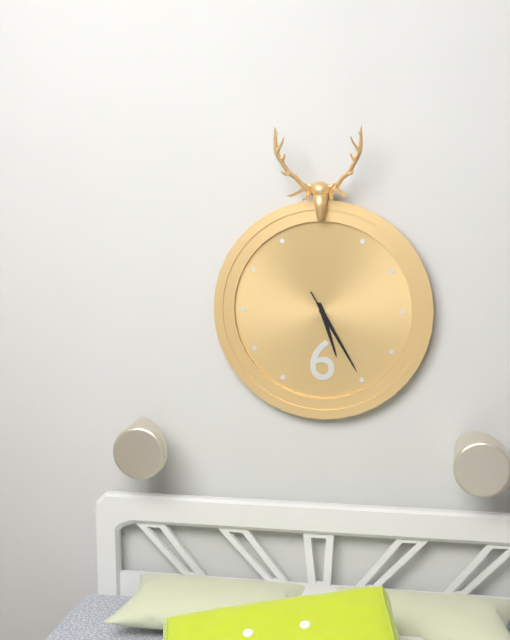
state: 5:25:25
